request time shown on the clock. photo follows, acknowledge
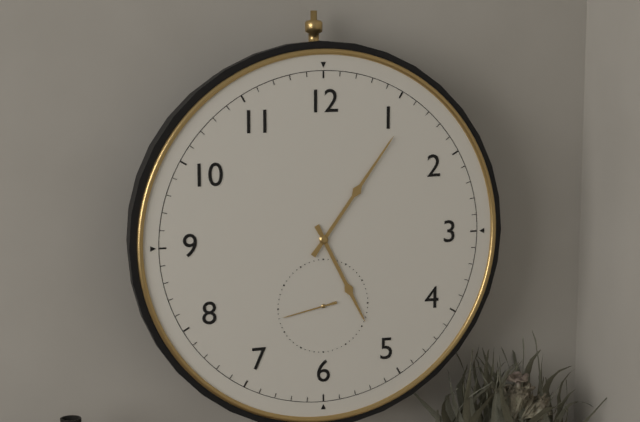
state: 5:06:43
